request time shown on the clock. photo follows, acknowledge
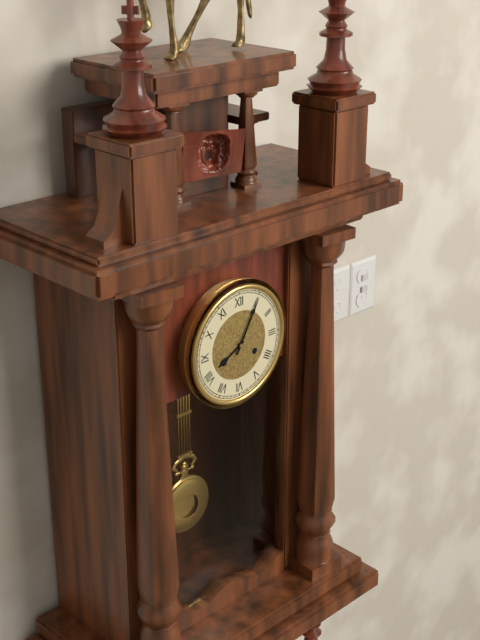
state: 8:05
